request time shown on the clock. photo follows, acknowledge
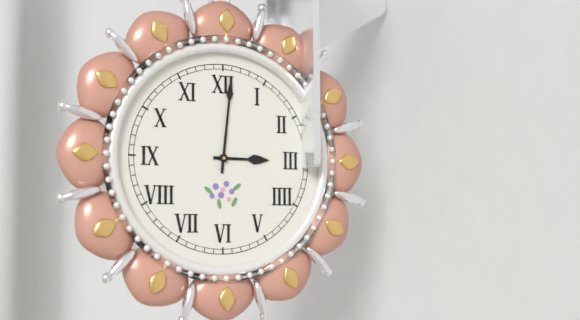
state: 3:01
